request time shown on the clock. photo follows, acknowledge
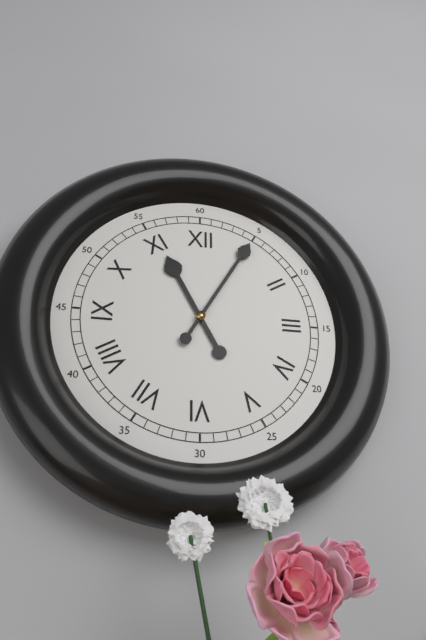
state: 11:05
